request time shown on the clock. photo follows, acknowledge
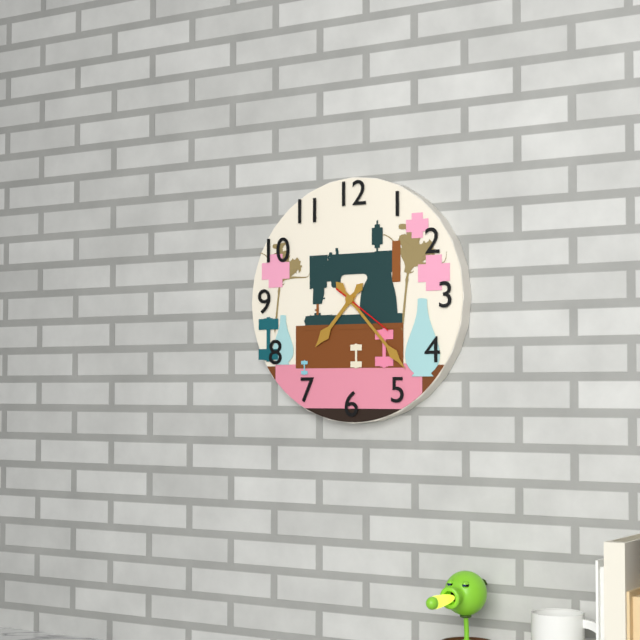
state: 7:23:21
